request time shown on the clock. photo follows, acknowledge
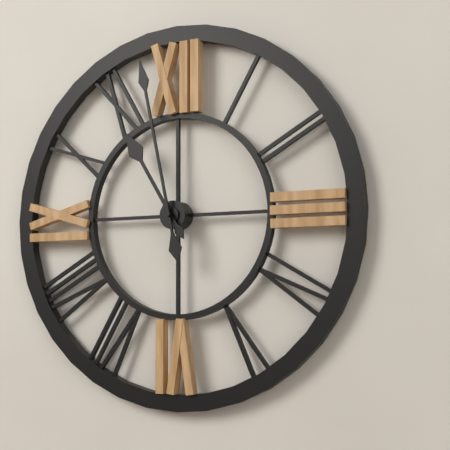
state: 10:58
